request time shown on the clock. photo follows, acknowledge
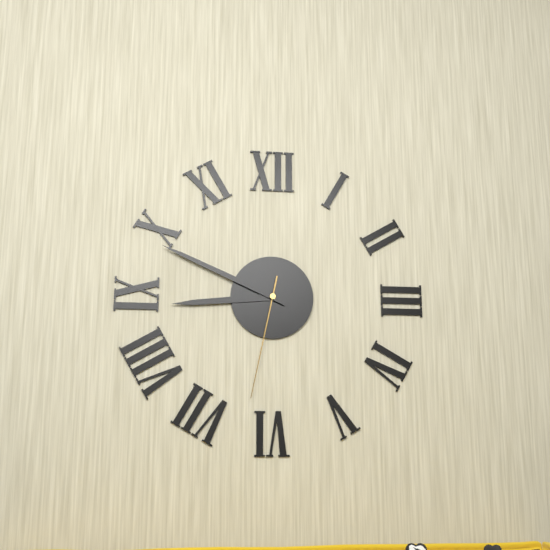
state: 8:49:32
